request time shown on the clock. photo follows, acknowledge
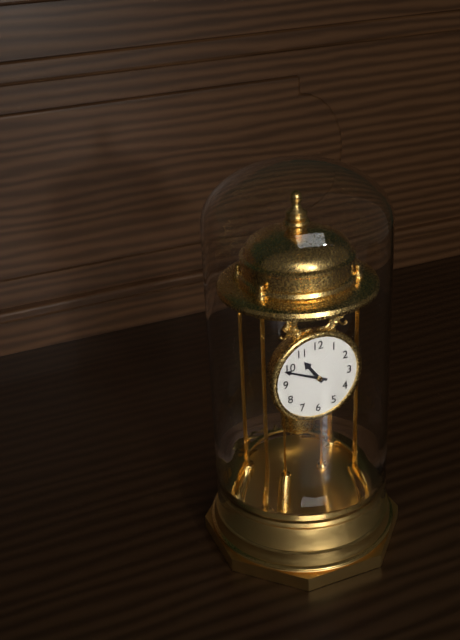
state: 10:49
